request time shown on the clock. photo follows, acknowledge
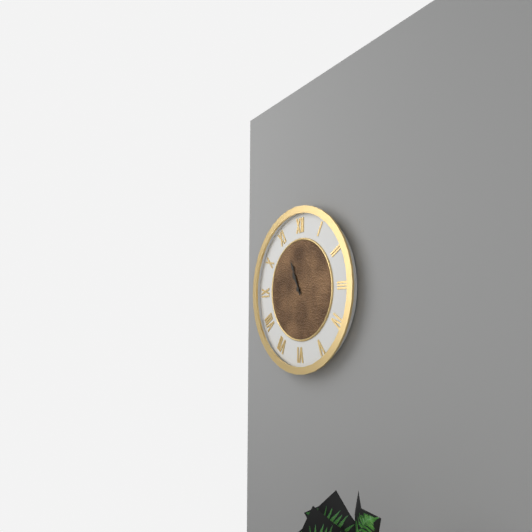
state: 10:56
